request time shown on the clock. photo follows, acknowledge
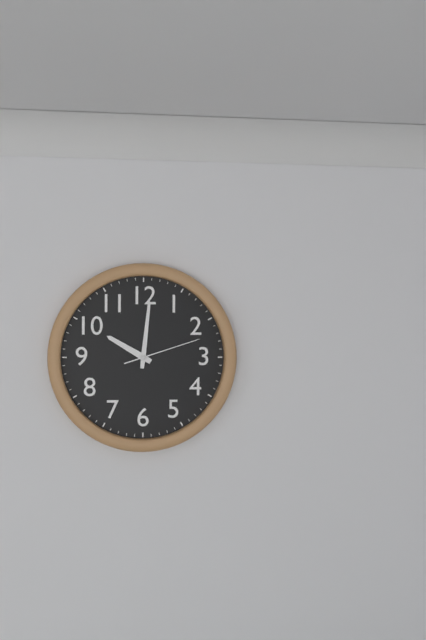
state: 10:01:12
